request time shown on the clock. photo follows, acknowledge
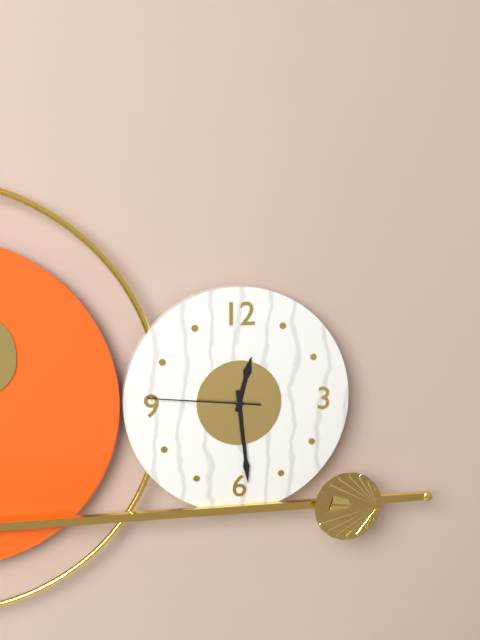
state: 12:29:46
